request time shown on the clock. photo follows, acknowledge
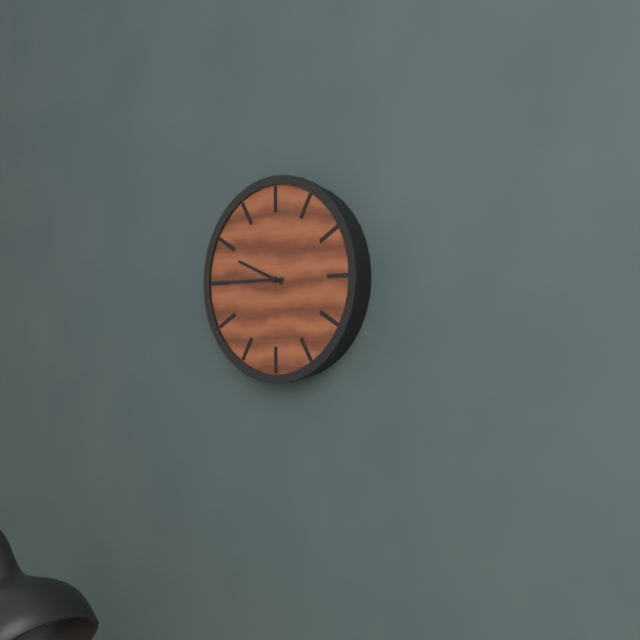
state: 9:45
